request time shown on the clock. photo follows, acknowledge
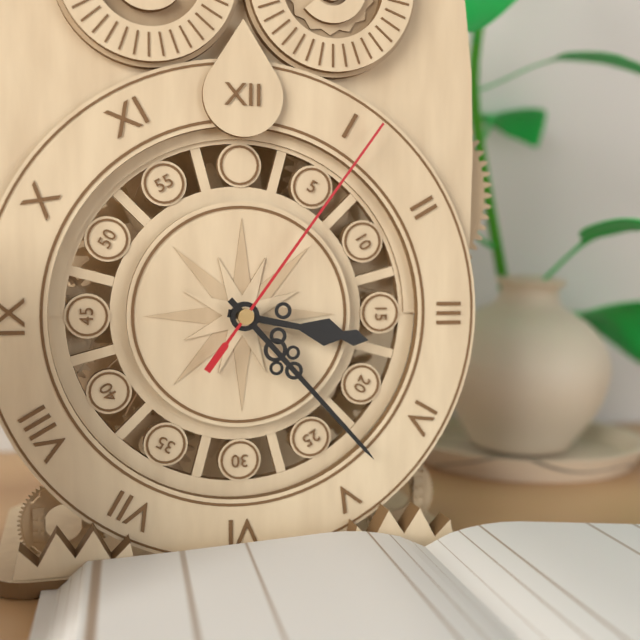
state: 3:23:06
